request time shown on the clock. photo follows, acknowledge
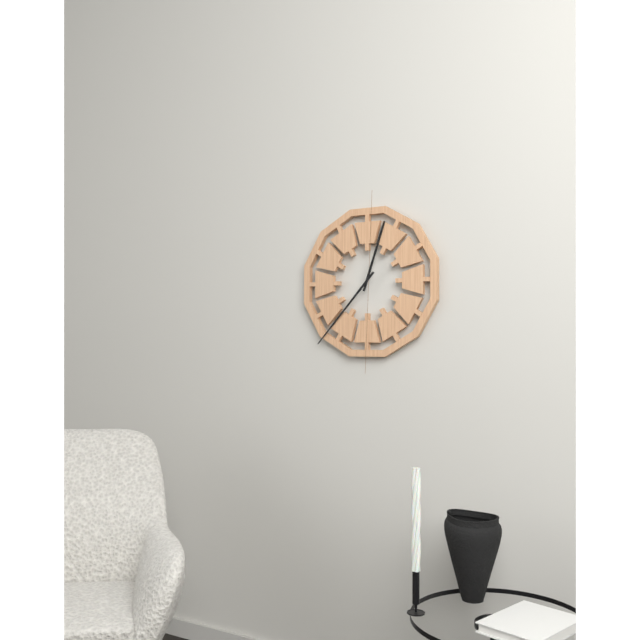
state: 12:37
